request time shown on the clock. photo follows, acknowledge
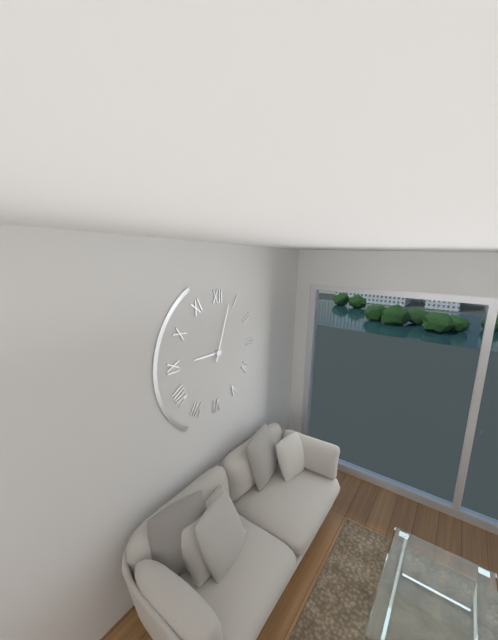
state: 9:03
